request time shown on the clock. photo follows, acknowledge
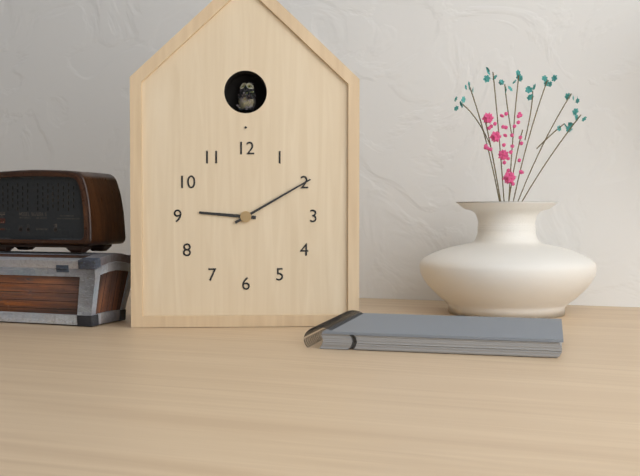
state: 9:10
